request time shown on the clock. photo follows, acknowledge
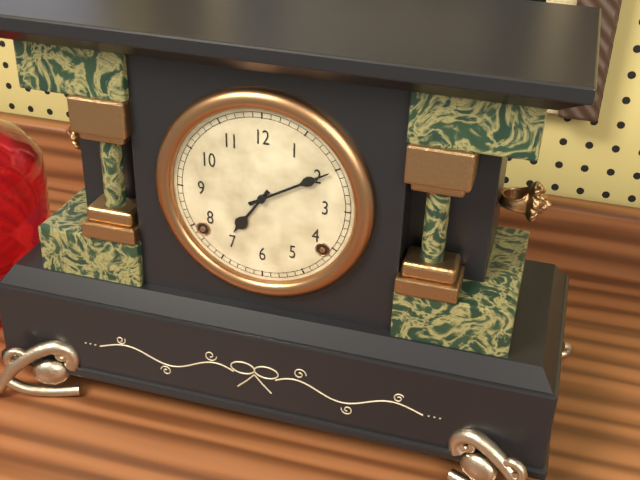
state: 7:10
